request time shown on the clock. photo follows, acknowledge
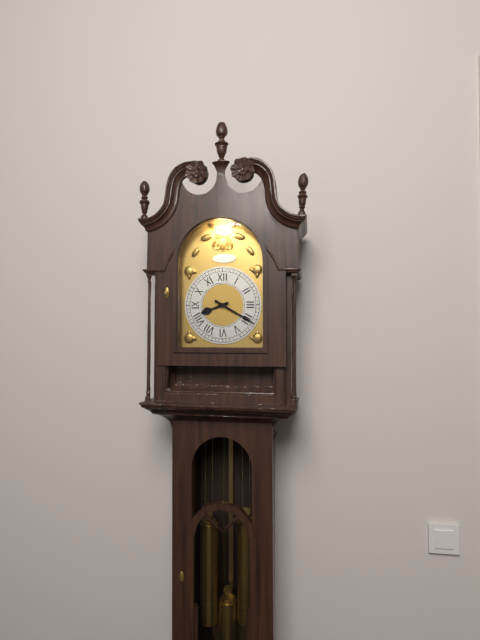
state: 8:20
